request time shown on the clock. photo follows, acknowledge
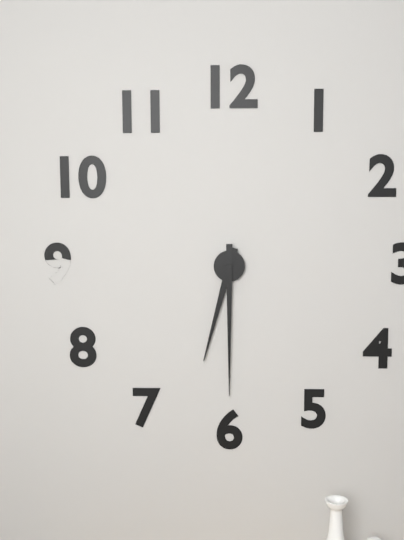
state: 6:30
